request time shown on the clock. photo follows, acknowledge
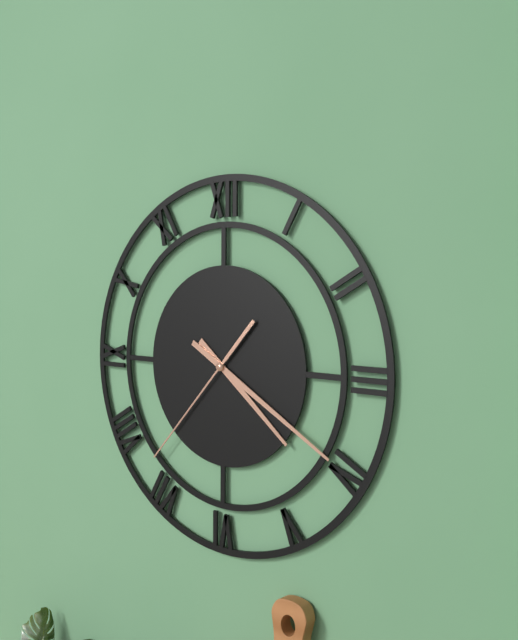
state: 4:20:37
